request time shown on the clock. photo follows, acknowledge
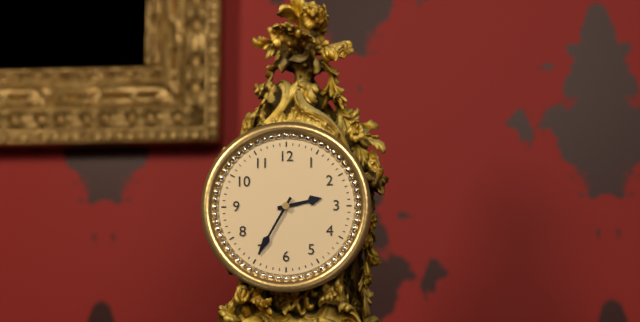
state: 2:35
